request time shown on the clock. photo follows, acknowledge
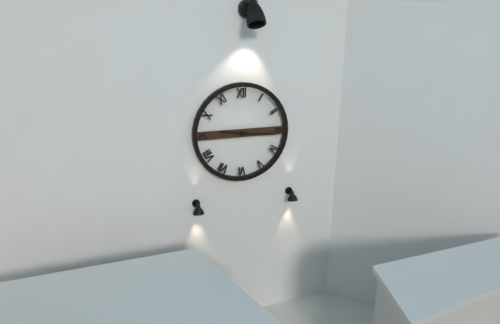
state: 9:16
